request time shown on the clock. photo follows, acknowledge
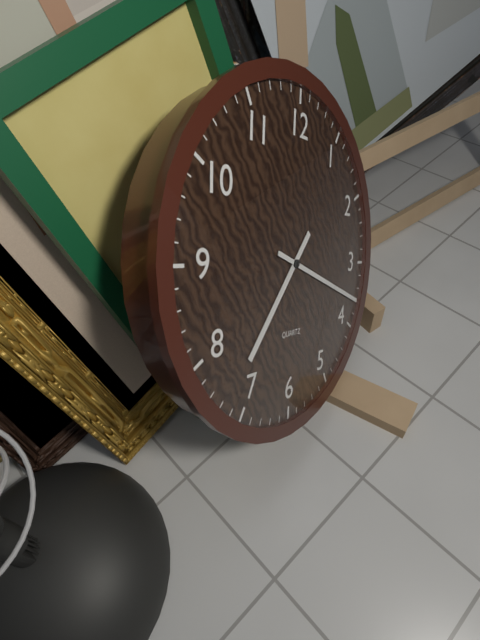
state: 7:18
